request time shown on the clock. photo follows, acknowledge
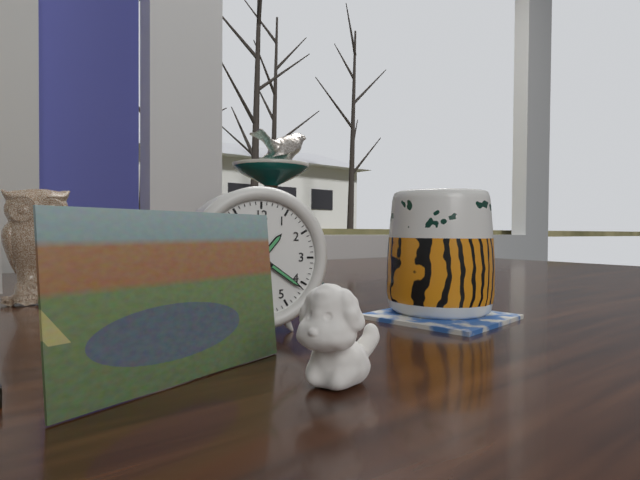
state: 1:21
